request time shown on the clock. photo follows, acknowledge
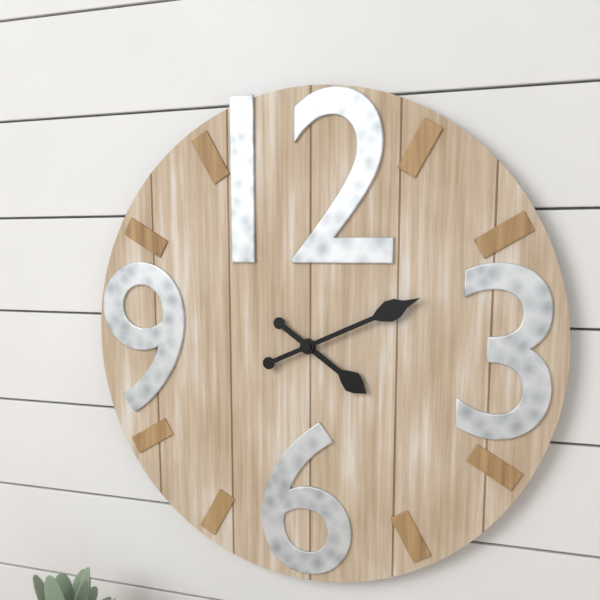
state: 4:11
